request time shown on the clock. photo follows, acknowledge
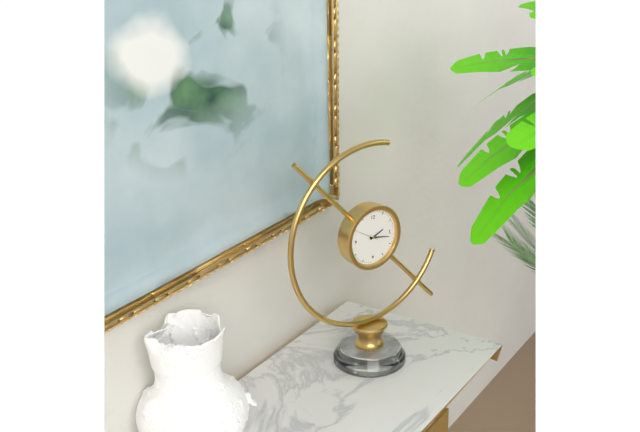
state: 2:17
